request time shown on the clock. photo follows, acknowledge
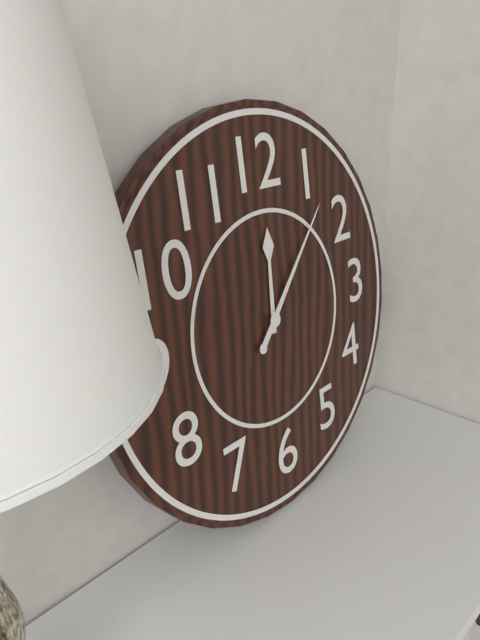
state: 12:07
